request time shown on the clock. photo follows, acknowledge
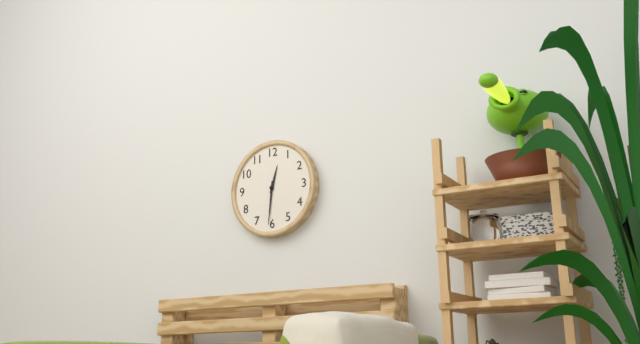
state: 12:31
